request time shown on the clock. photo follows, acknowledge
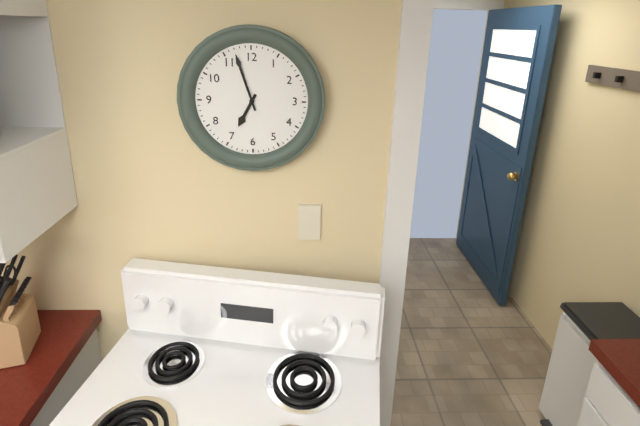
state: 6:57
